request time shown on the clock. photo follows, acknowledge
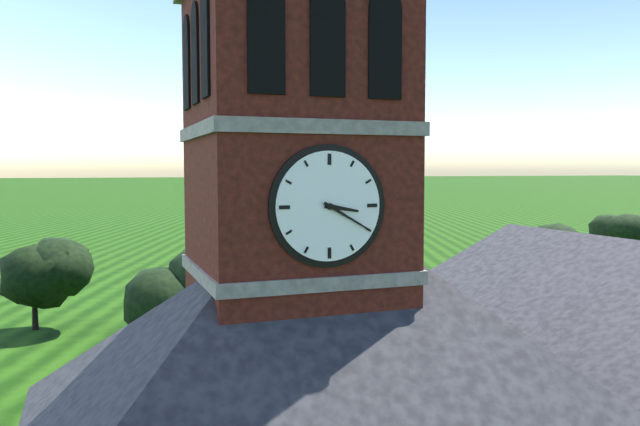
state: 3:20
